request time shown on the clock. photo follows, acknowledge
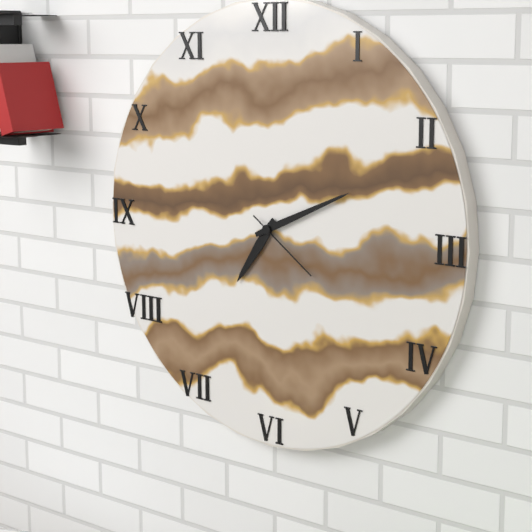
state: 7:11:21
